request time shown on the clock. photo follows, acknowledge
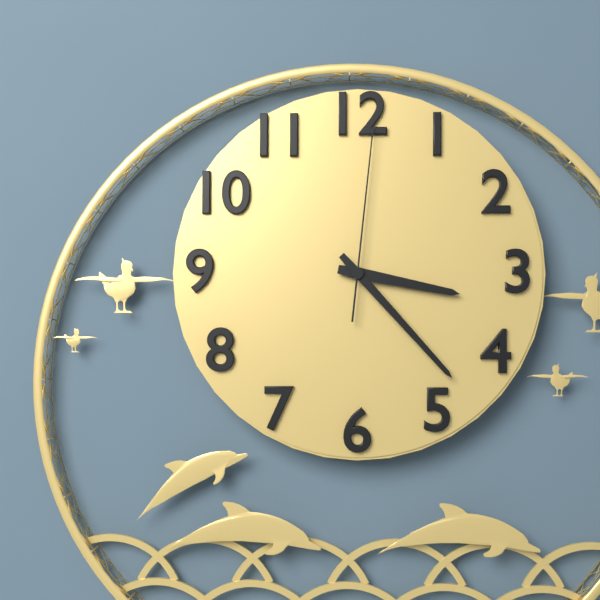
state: 3:23:01
